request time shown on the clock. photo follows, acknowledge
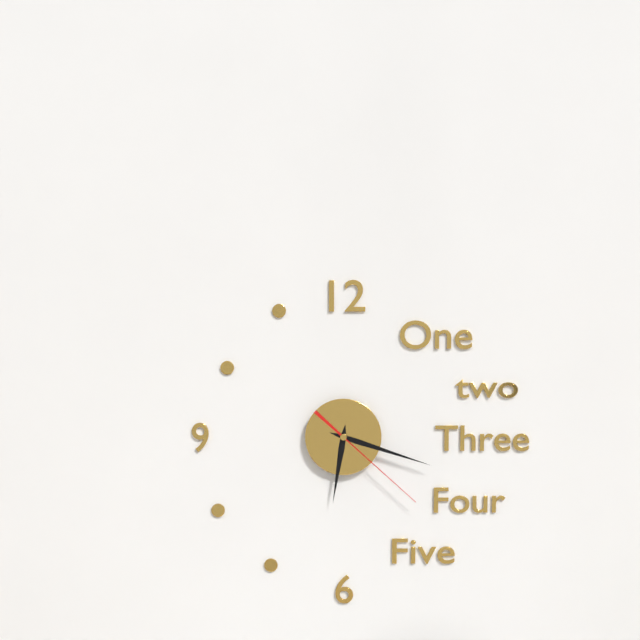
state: 6:18:22
